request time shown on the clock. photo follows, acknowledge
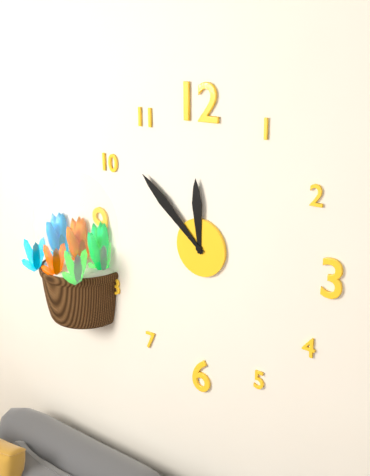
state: 11:52
